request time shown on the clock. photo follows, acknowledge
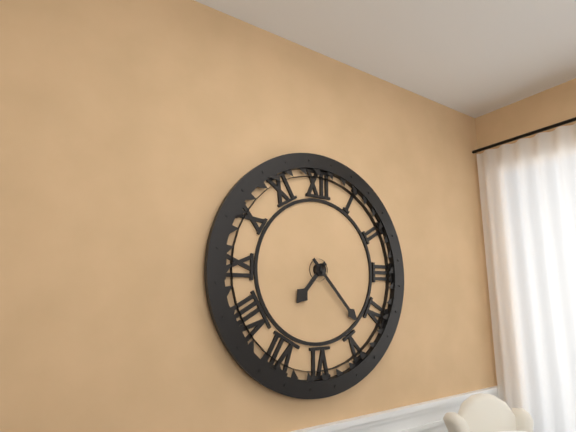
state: 7:23
